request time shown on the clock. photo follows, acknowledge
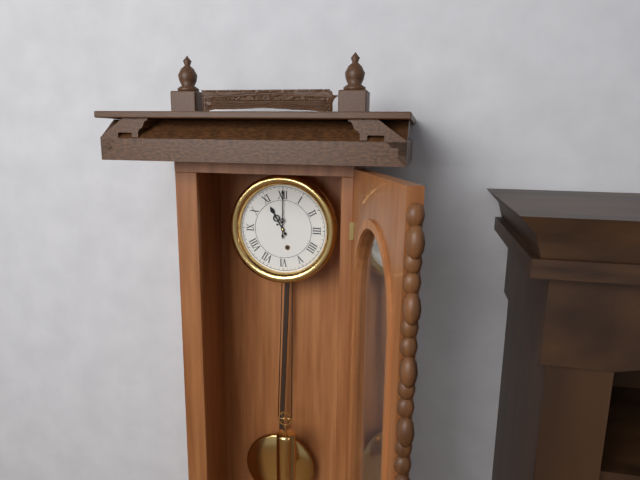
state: 11:00
